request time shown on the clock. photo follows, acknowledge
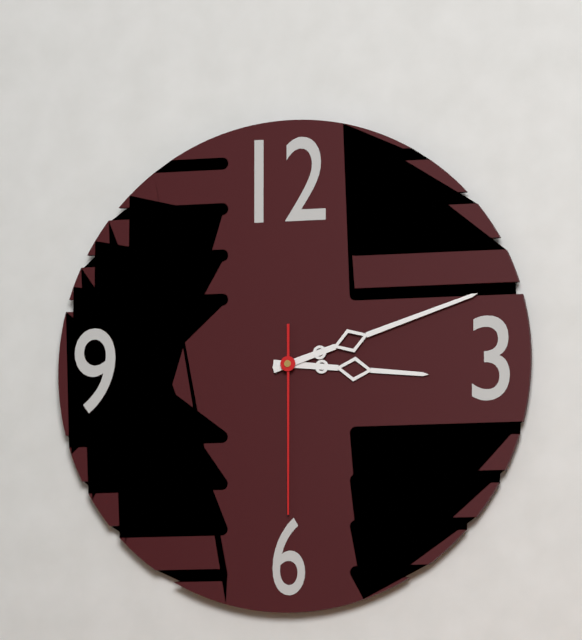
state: 3:12:30
